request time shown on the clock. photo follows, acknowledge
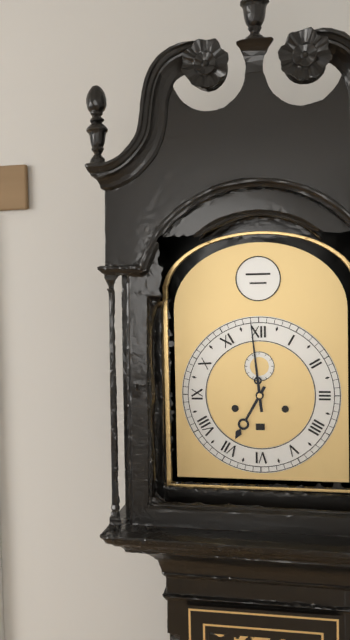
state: 6:59
